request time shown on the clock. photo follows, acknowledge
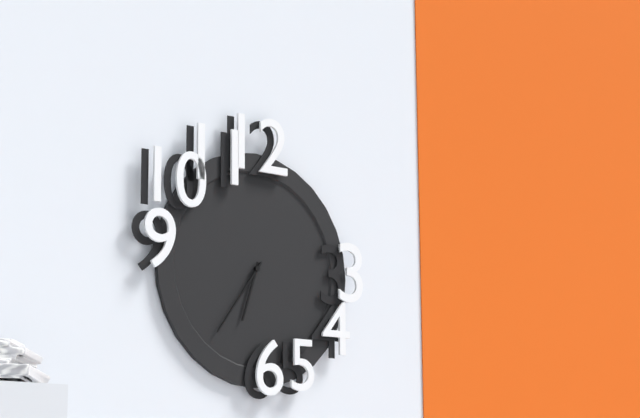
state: 6:36
